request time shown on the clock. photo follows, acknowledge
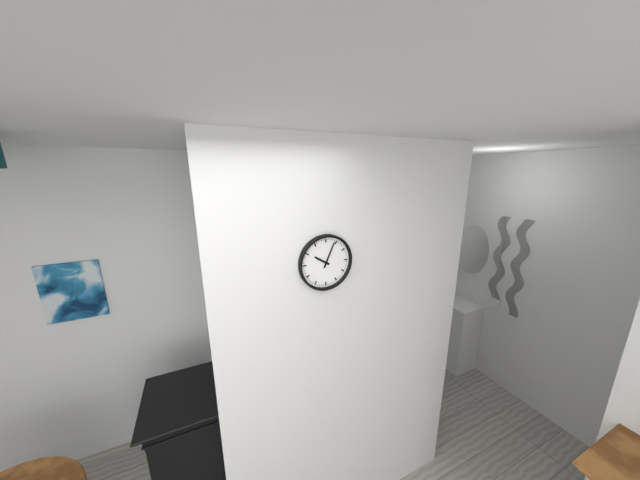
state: 10:04
